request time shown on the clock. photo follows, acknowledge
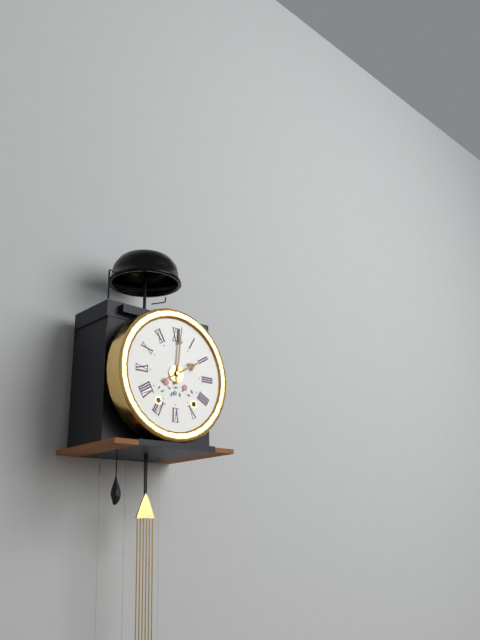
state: 2:01
